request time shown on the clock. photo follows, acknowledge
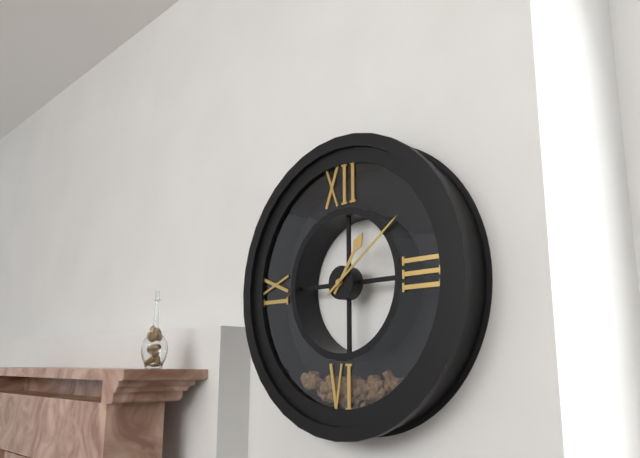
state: 1:09
